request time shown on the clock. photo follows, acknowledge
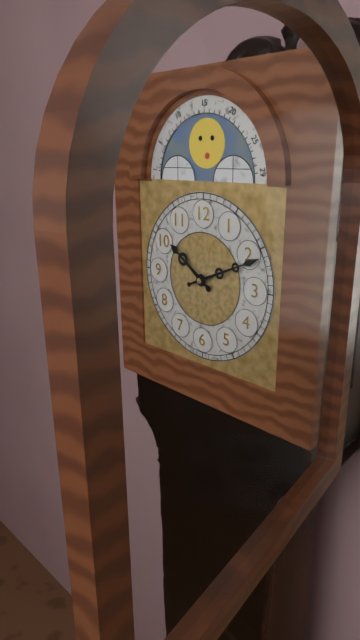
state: 10:11
